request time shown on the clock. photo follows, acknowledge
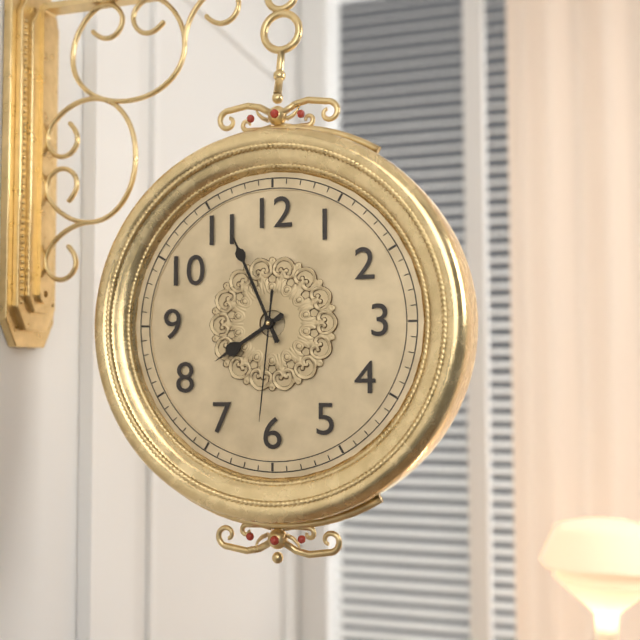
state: 7:56:31
